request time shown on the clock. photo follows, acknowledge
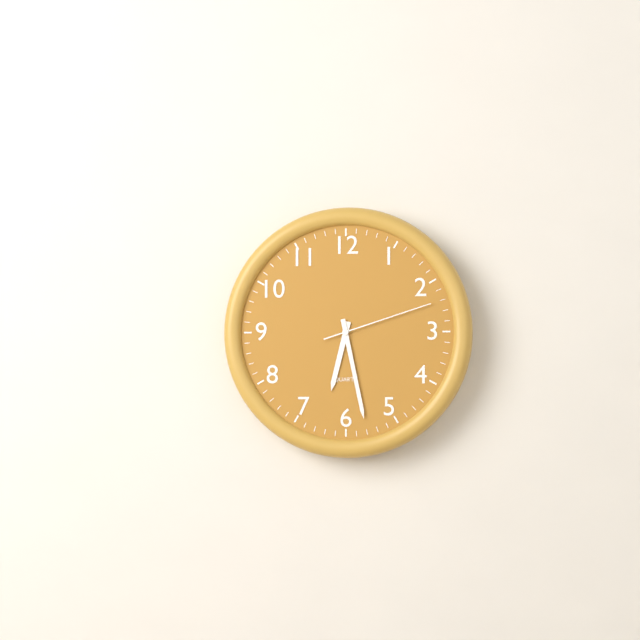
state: 6:28:12
